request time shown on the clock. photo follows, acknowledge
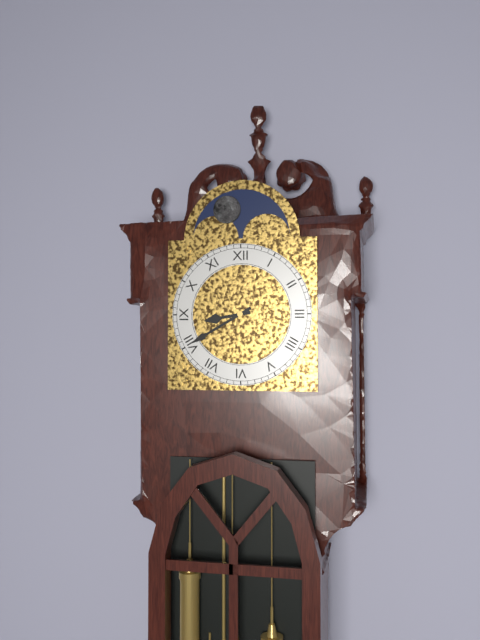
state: 8:40
